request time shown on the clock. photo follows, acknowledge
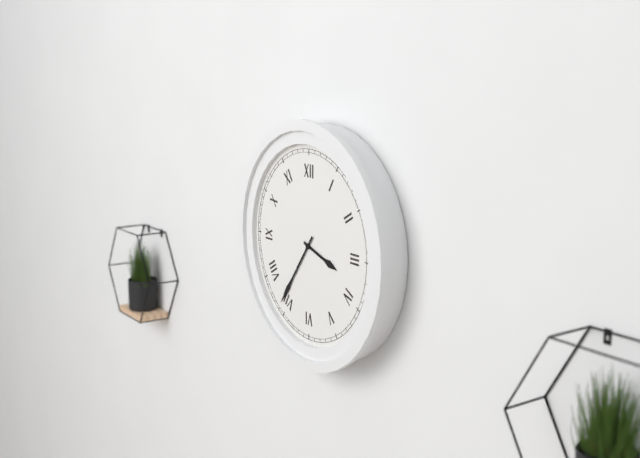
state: 3:36
